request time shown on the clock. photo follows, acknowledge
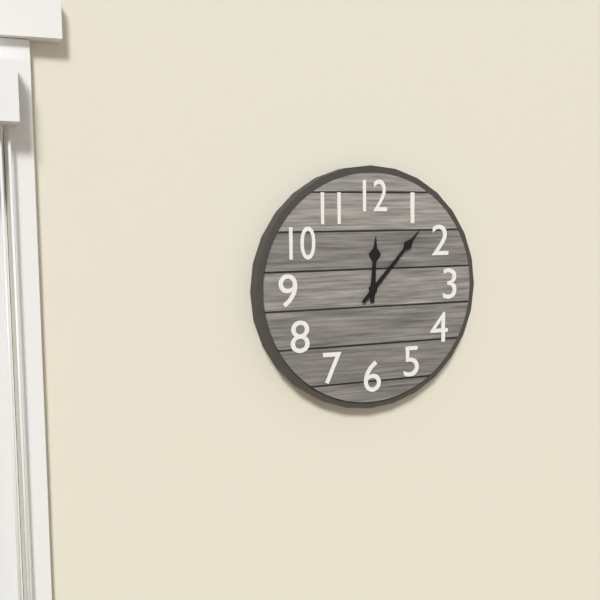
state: 12:07
